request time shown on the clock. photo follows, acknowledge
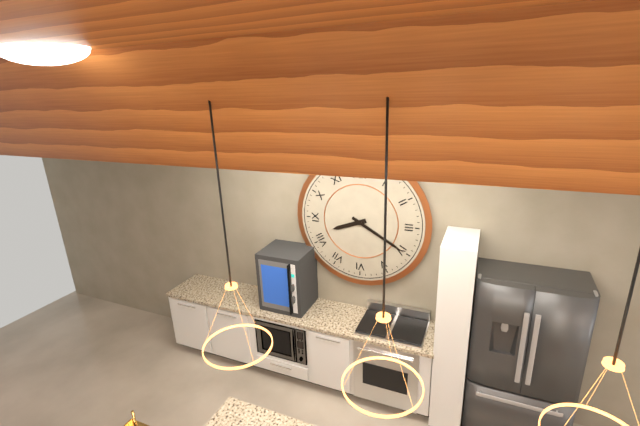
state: 8:20
